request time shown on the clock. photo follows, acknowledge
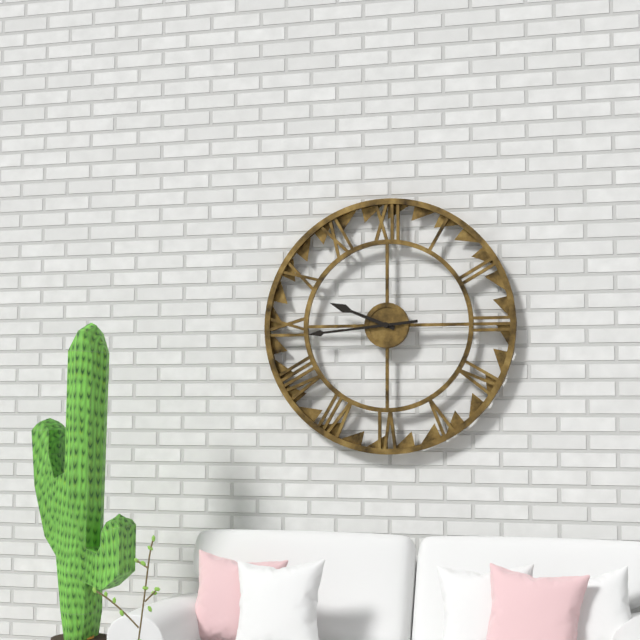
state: 9:44
